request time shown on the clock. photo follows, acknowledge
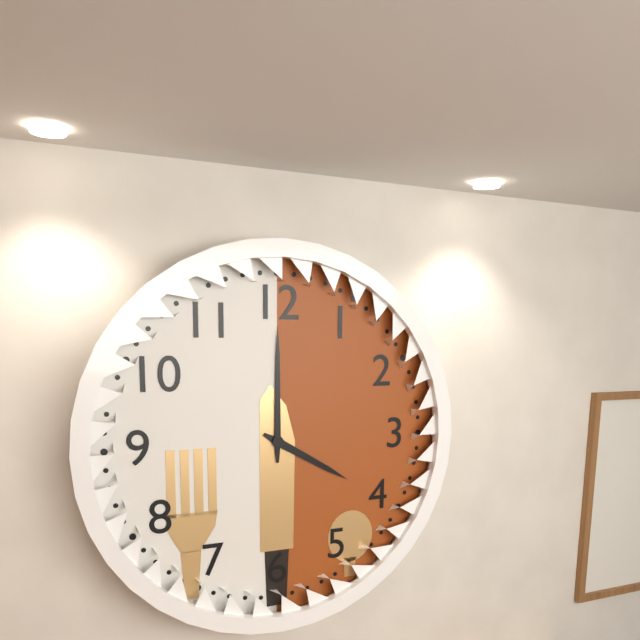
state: 4:00
